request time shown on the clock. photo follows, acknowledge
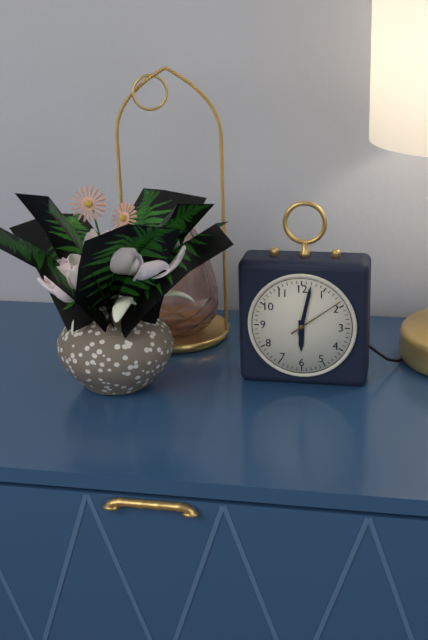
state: 6:02:09
